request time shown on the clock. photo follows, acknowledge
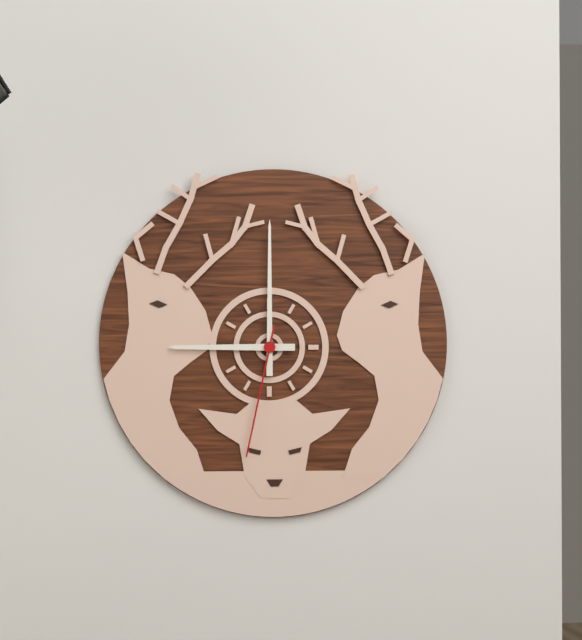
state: 9:00:32
